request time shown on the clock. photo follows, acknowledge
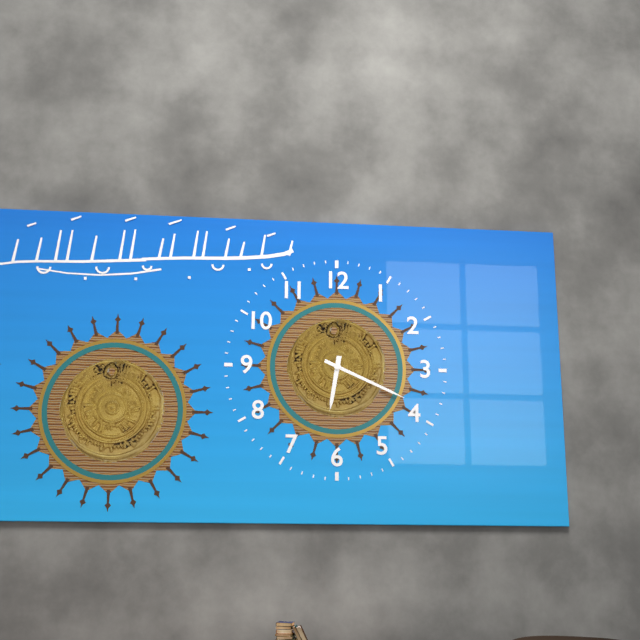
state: 6:19
